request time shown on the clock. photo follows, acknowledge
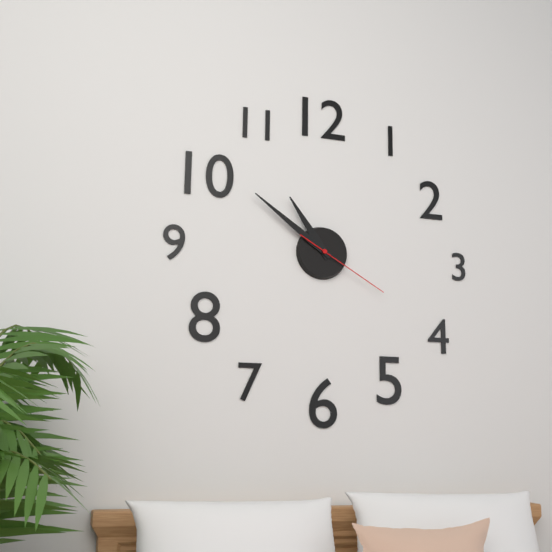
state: 10:51:20
